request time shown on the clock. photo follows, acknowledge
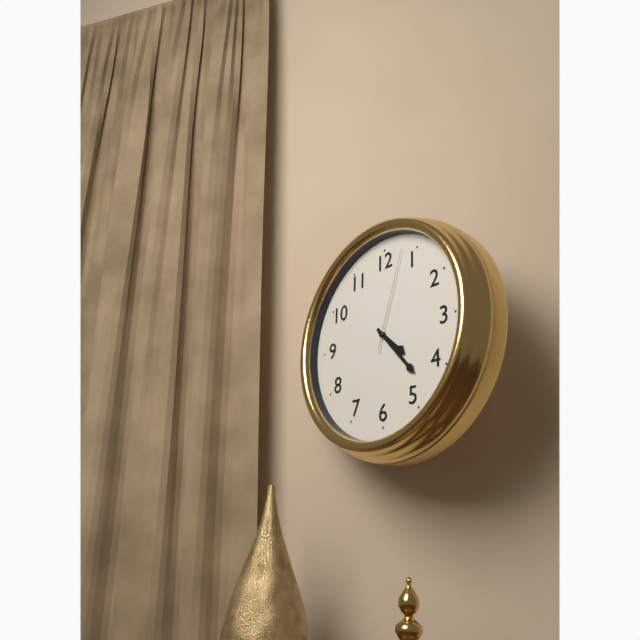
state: 4:23:03
